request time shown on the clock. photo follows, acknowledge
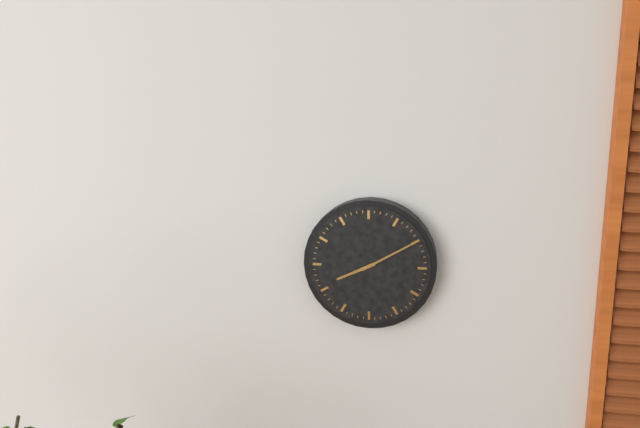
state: 8:10
